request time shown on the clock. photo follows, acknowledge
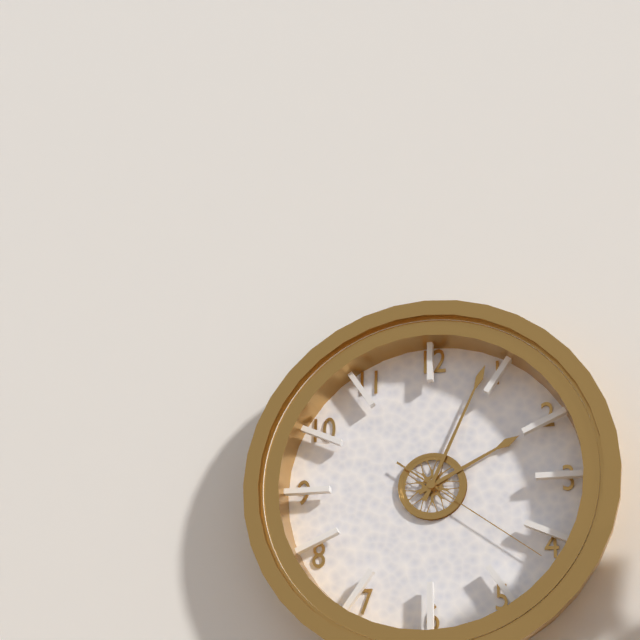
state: 2:04:21
